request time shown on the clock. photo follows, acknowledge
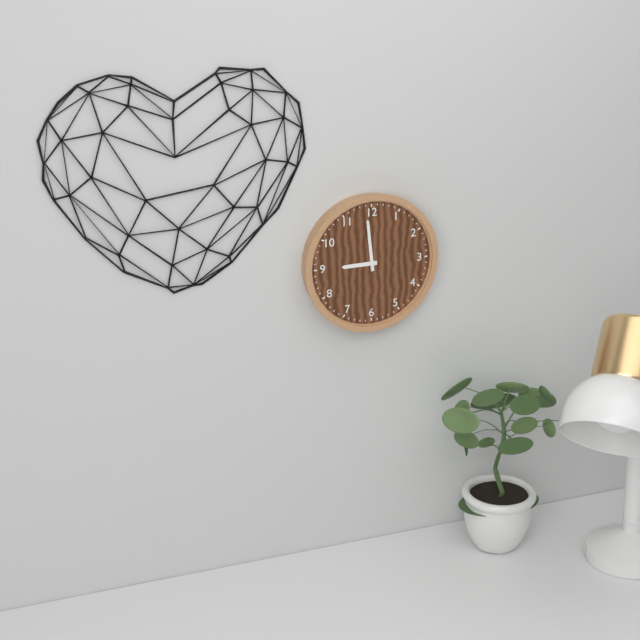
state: 8:59
